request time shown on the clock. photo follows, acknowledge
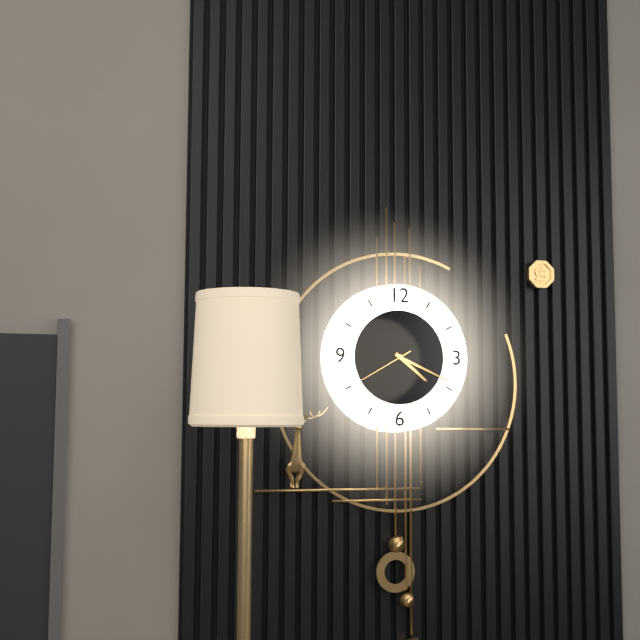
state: 4:19:40
